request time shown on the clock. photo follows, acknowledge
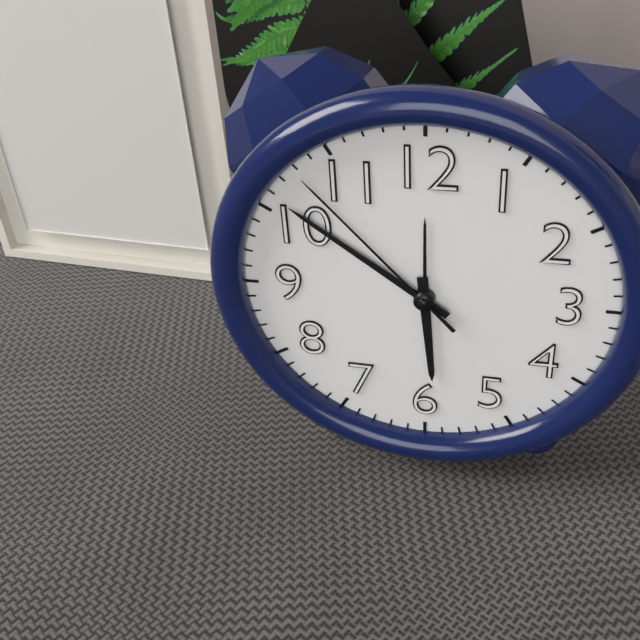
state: 5:51:53
